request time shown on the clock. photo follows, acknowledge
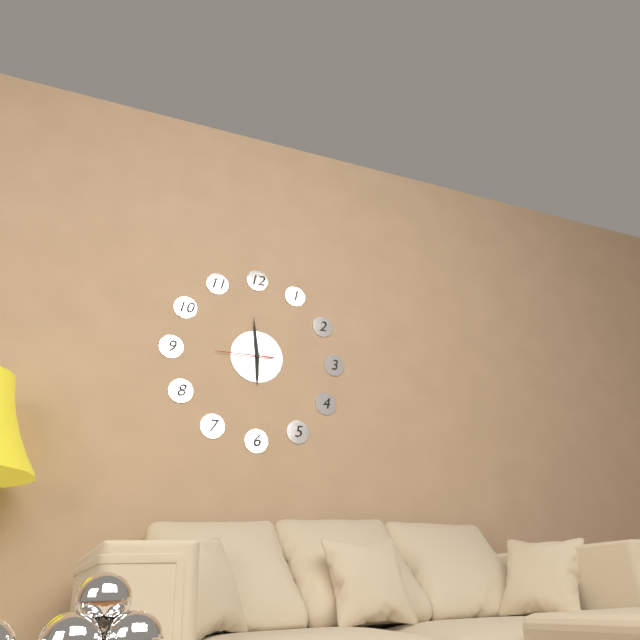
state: 5:59:45
